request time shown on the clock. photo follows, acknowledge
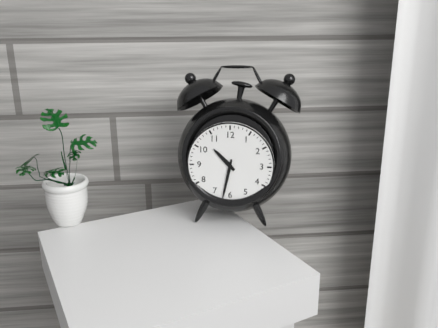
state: 10:32
